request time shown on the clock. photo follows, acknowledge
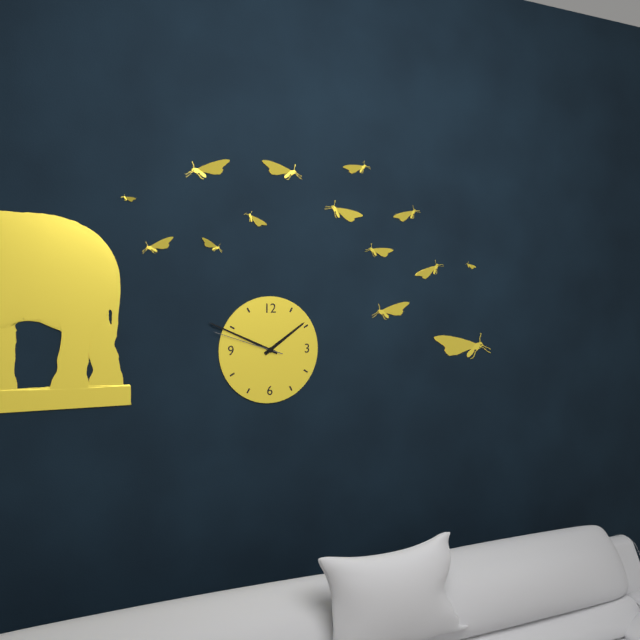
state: 1:49:48
